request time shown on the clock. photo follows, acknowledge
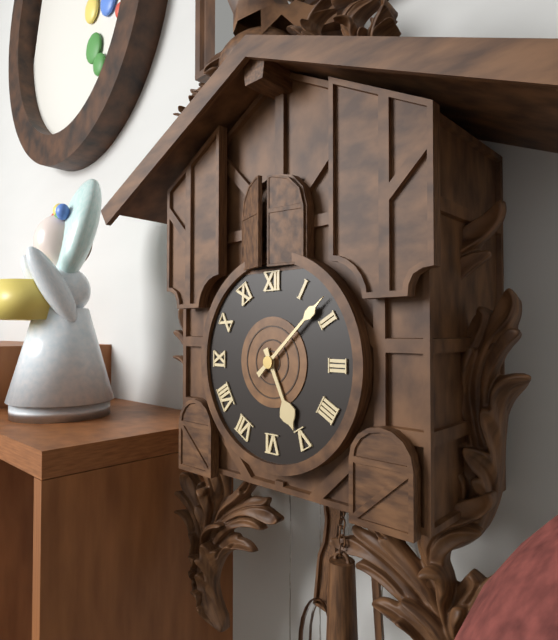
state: 5:08
